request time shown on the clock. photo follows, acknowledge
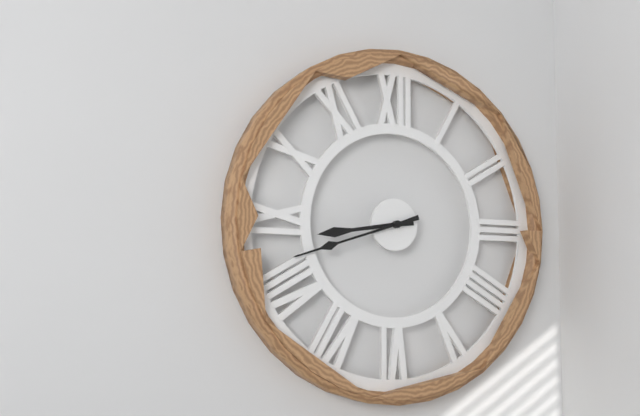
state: 8:42
